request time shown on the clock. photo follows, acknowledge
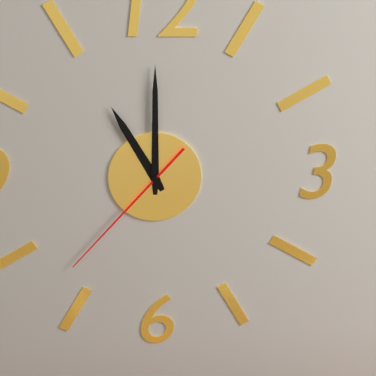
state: 11:00:37
